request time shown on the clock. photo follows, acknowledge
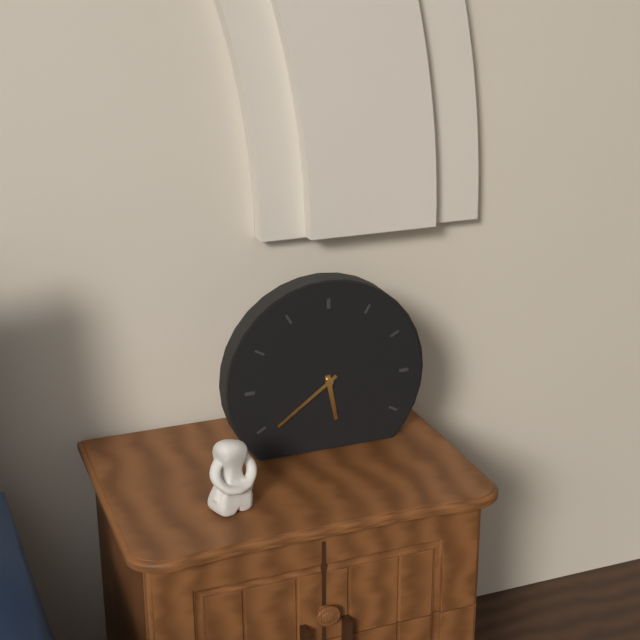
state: 5:39
